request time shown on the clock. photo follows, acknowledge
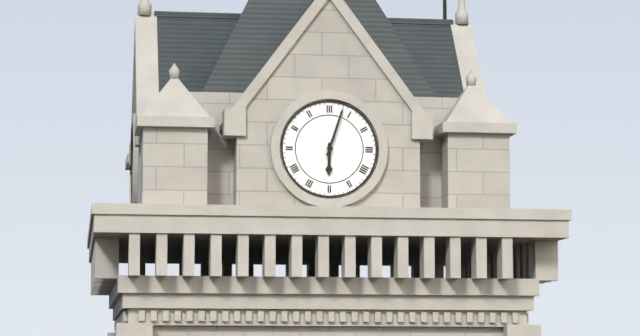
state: 6:03
